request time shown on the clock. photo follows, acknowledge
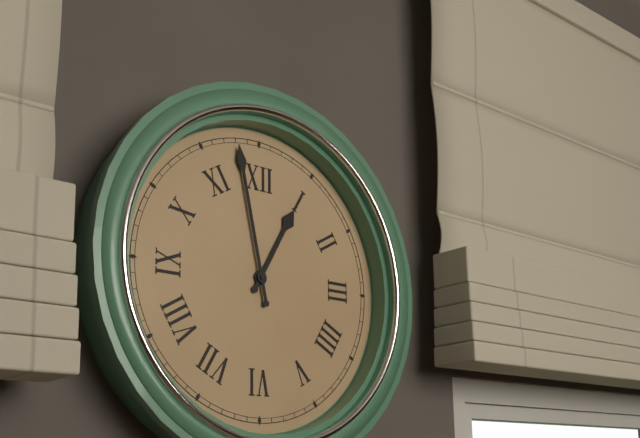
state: 12:58
